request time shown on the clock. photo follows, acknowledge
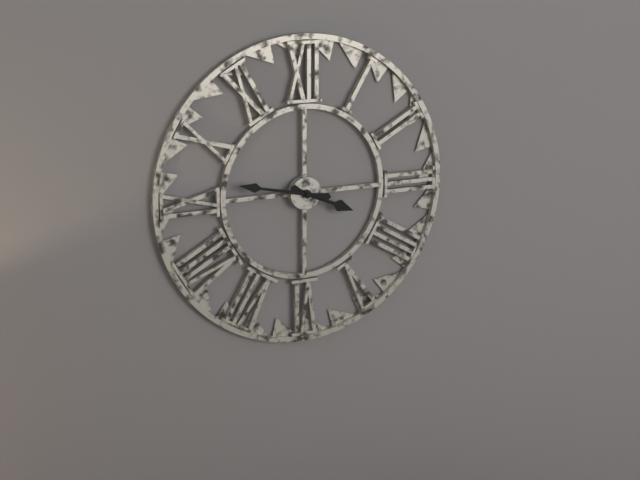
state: 3:47
